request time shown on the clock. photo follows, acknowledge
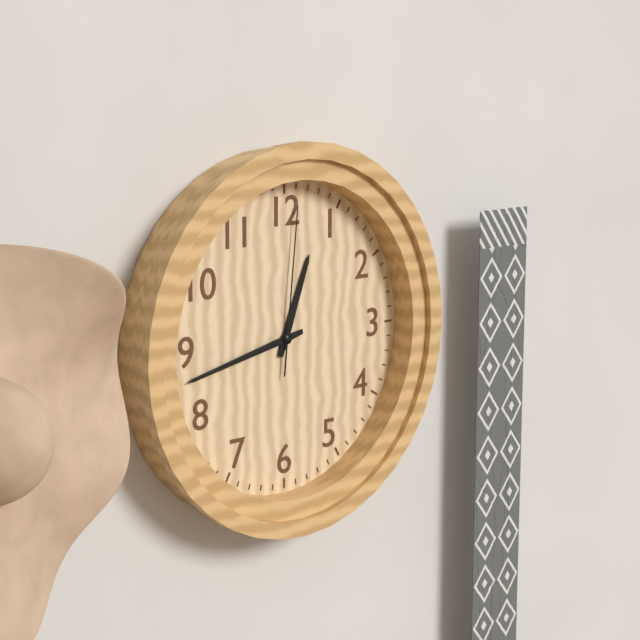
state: 12:43:01
